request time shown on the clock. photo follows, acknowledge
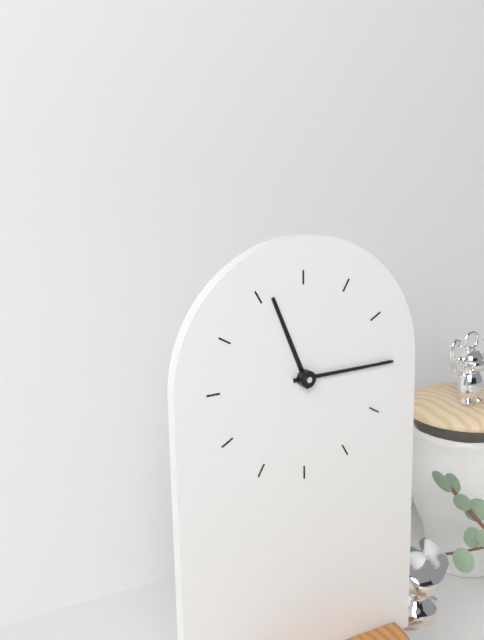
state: 11:15
